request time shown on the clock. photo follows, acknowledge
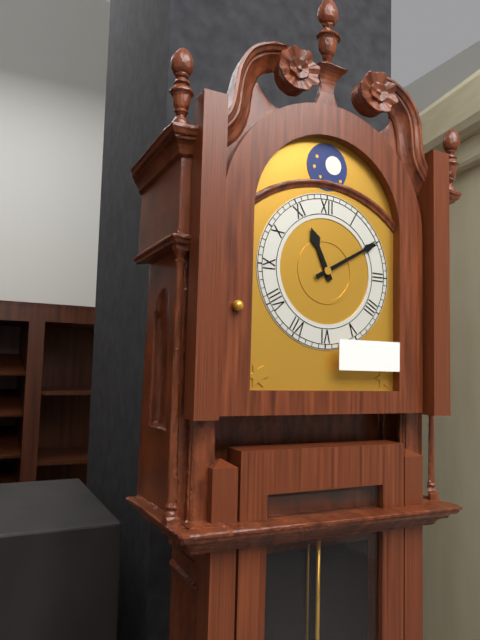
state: 11:10
